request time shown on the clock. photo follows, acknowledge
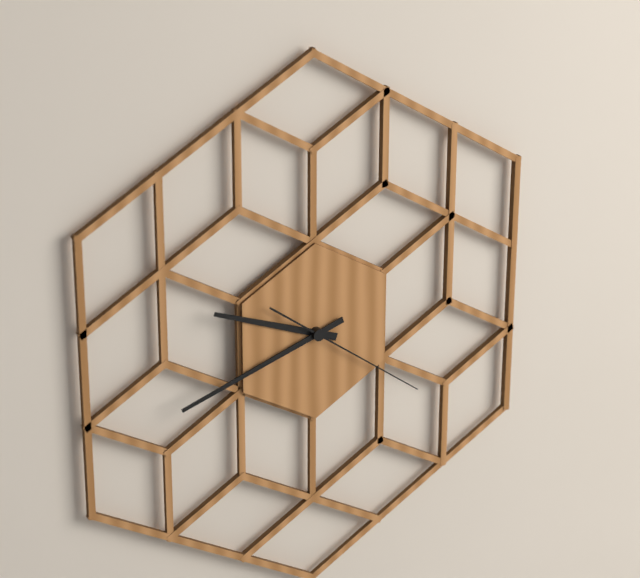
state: 9:42:21
